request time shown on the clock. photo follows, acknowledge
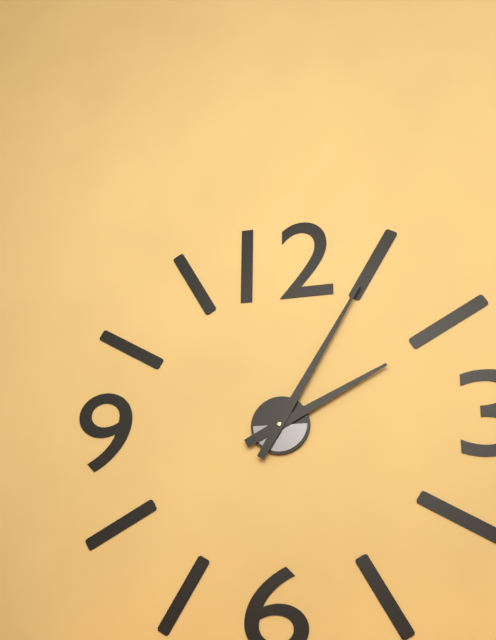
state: 2:05
